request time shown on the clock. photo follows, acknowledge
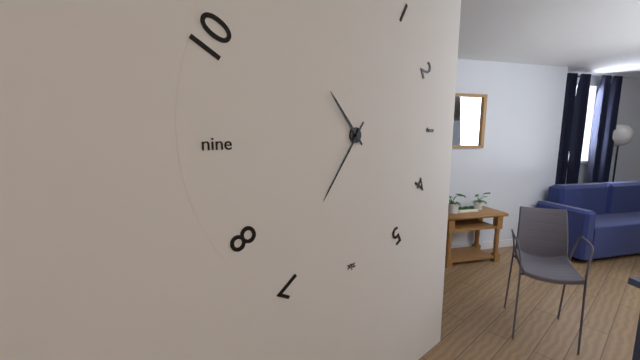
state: 10:36
